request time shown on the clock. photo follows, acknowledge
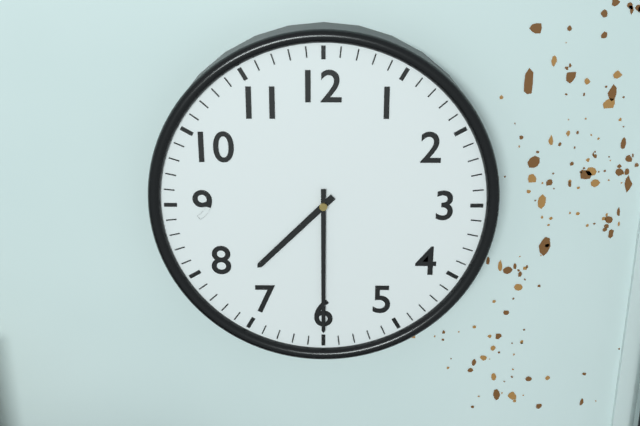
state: 7:30
